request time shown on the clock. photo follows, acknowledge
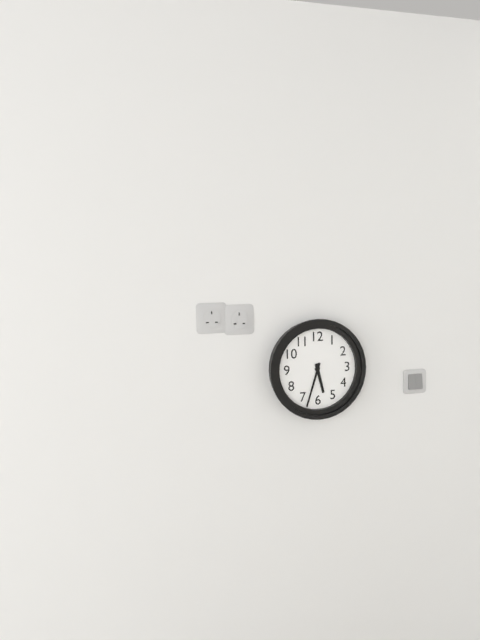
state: 5:33
